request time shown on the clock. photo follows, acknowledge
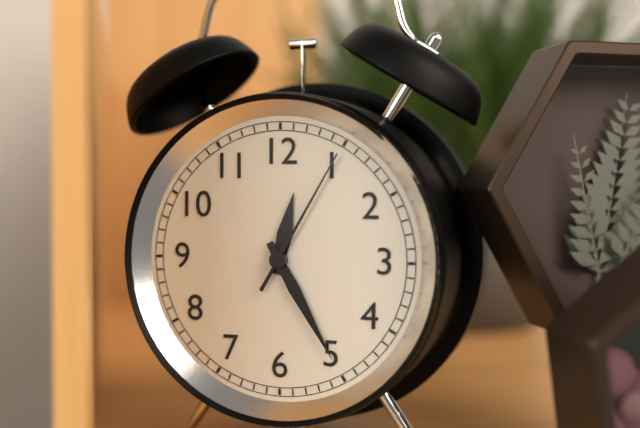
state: 12:25:05
